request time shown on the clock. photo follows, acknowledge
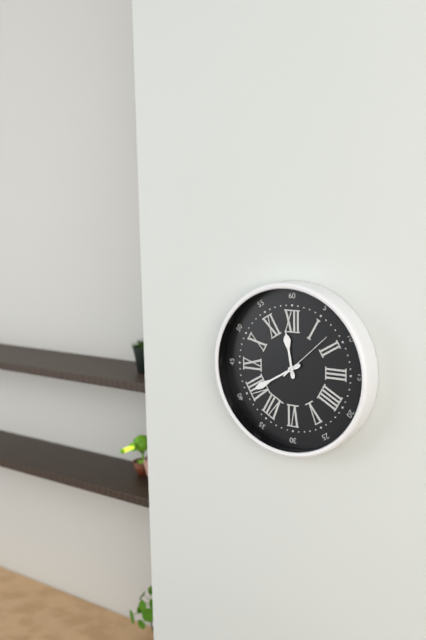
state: 11:40:08
